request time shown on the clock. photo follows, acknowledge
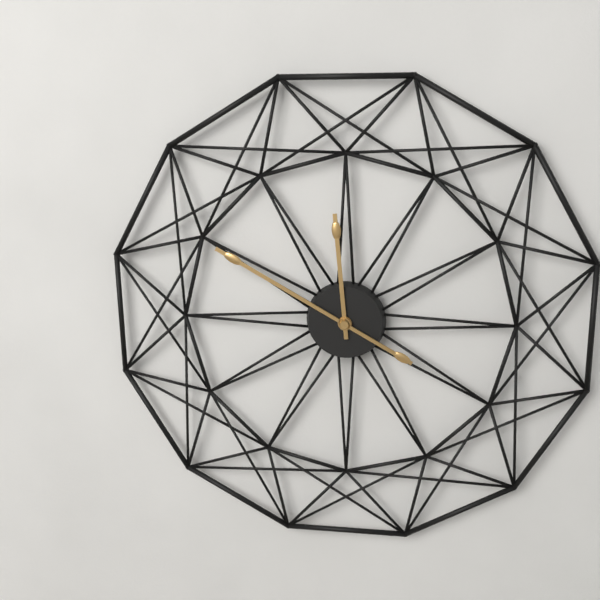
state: 11:50
